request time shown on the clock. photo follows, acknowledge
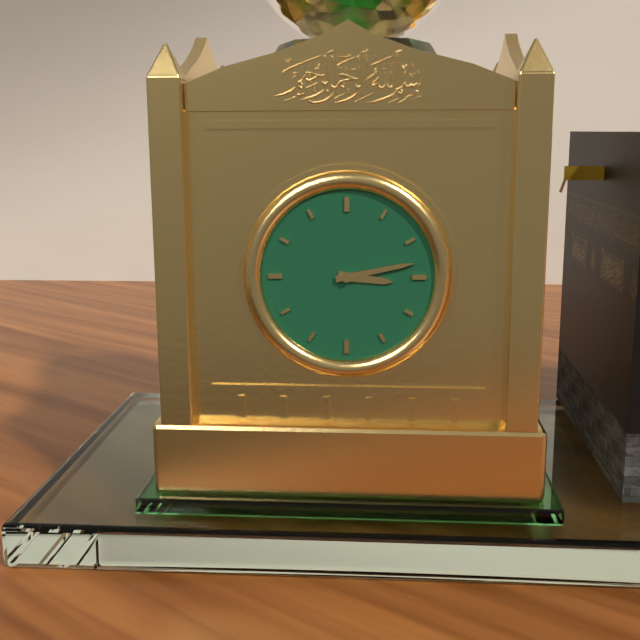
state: 3:13
